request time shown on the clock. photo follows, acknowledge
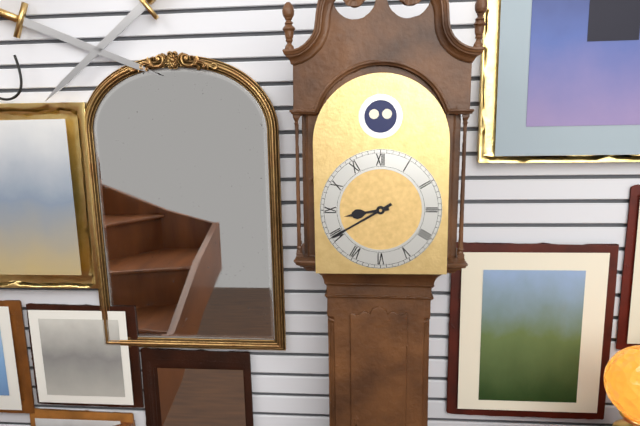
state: 8:40
